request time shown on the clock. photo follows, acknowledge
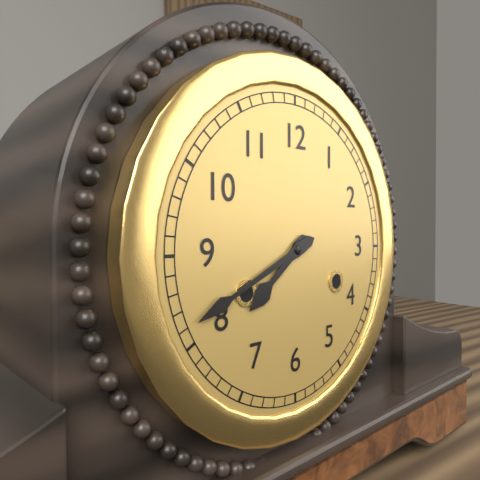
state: 7:41
